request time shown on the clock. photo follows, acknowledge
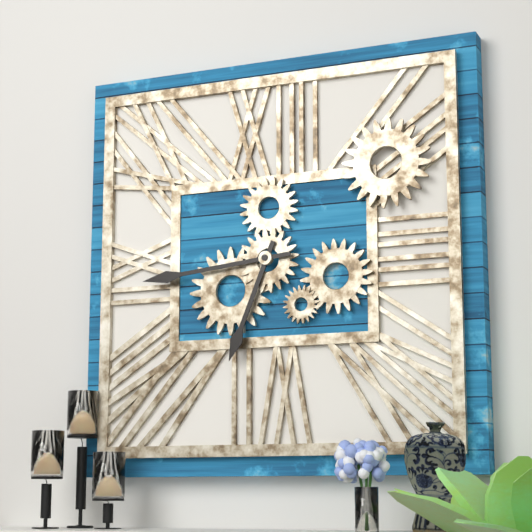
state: 6:44
